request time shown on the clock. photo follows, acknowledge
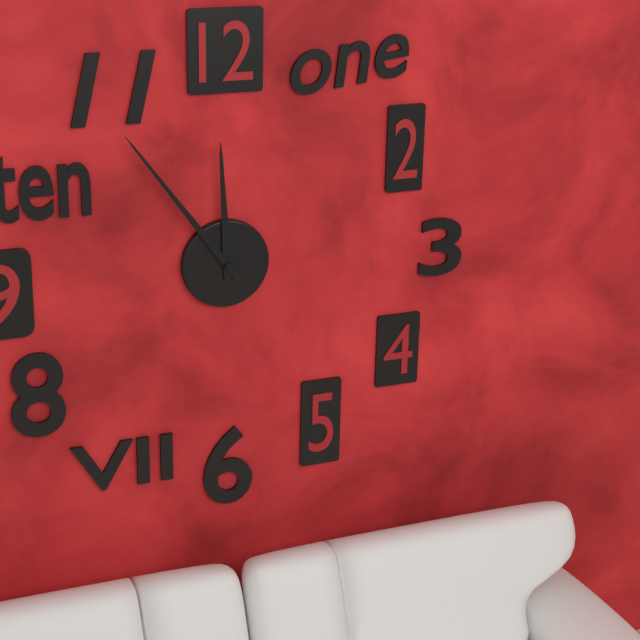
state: 11:54
